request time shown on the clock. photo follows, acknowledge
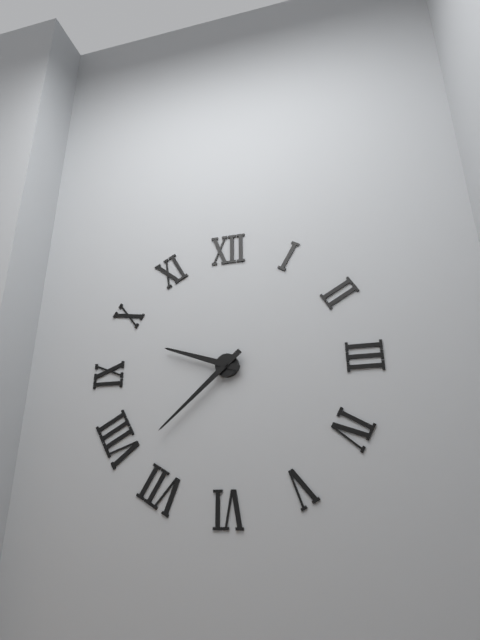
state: 9:38
